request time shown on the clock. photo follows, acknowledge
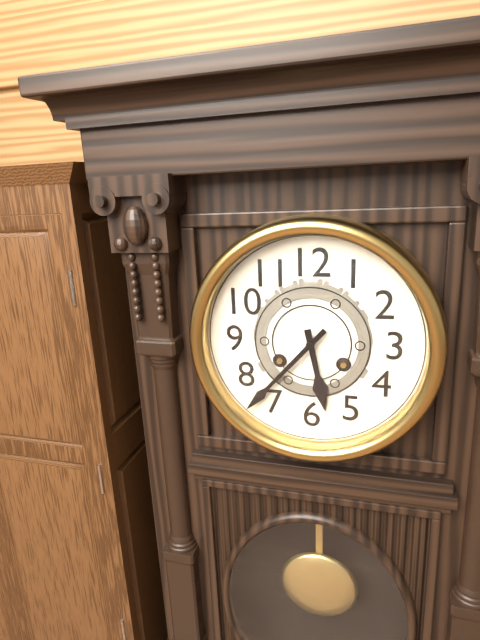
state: 5:37
